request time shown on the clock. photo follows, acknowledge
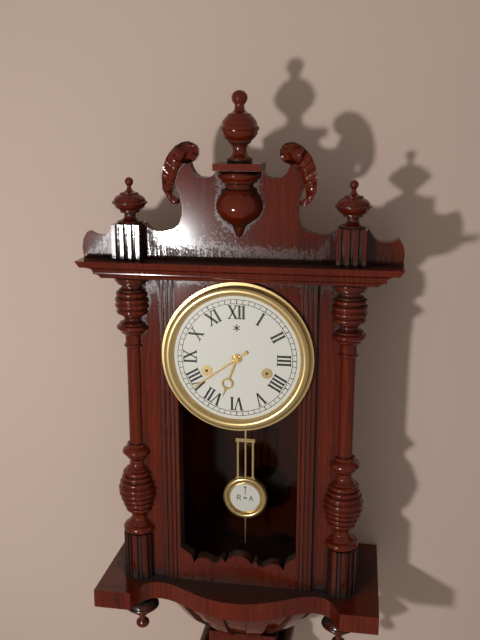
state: 6:39
